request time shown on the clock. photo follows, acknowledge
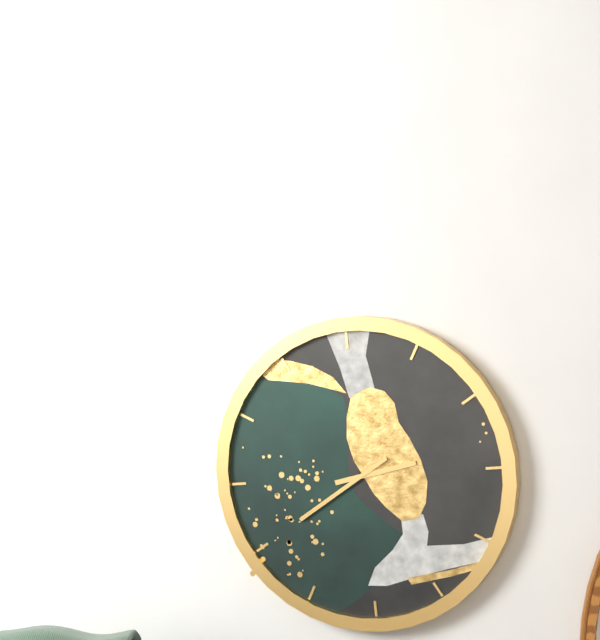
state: 2:40
